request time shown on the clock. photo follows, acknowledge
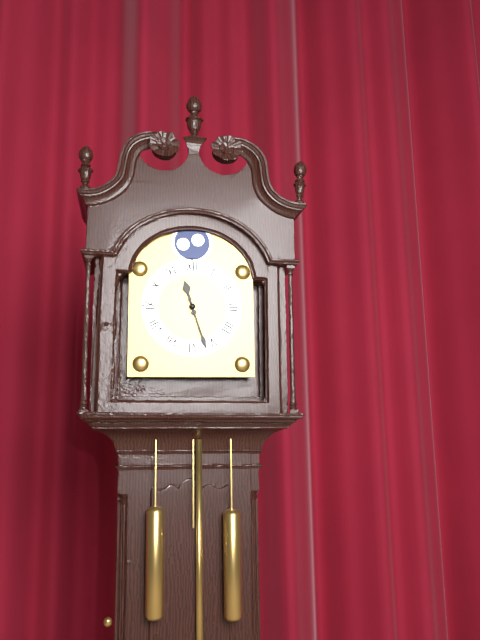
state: 11:27
